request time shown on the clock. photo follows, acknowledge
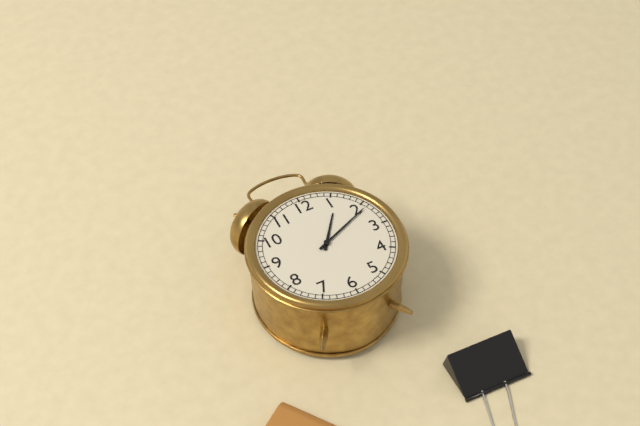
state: 1:11
